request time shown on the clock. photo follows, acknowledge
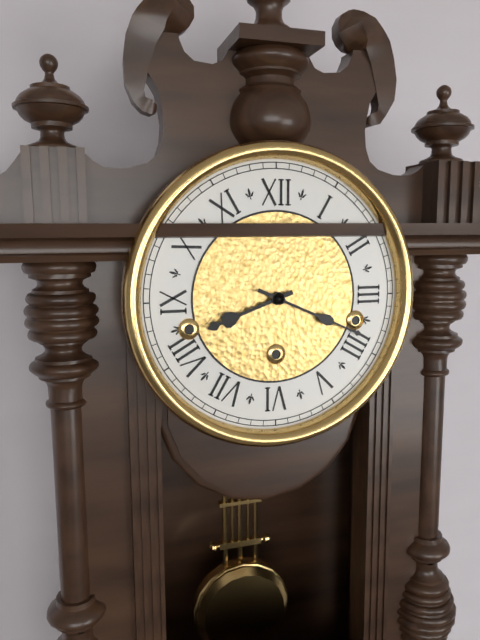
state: 8:19
